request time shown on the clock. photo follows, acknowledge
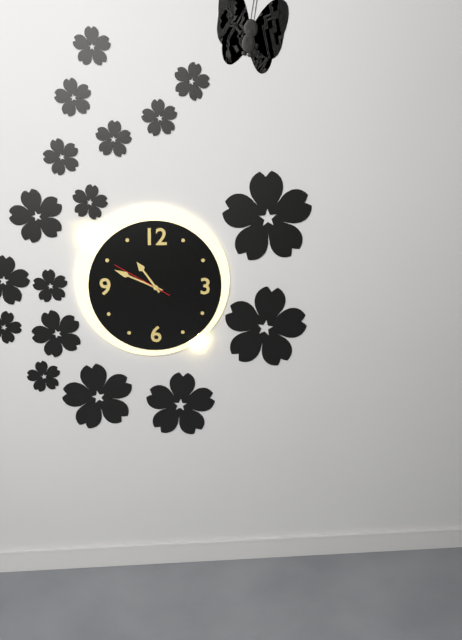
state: 10:49:50
